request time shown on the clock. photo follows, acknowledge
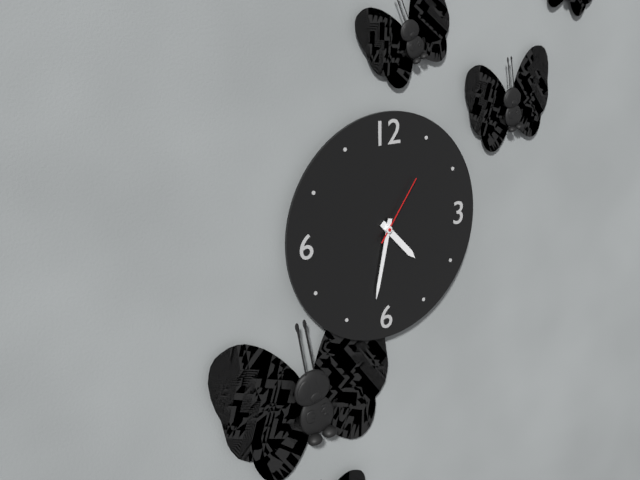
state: 4:32:06
